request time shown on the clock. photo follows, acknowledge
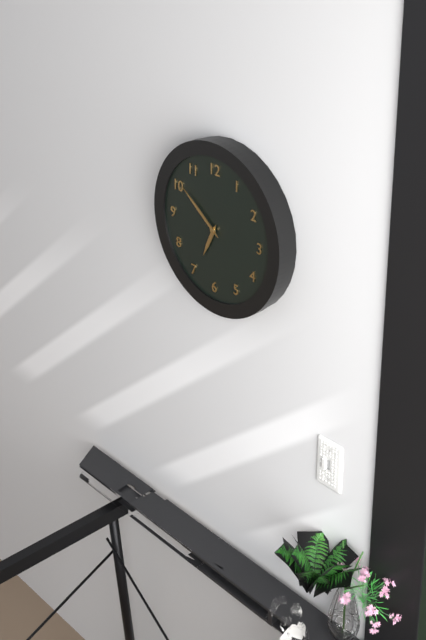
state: 6:51
